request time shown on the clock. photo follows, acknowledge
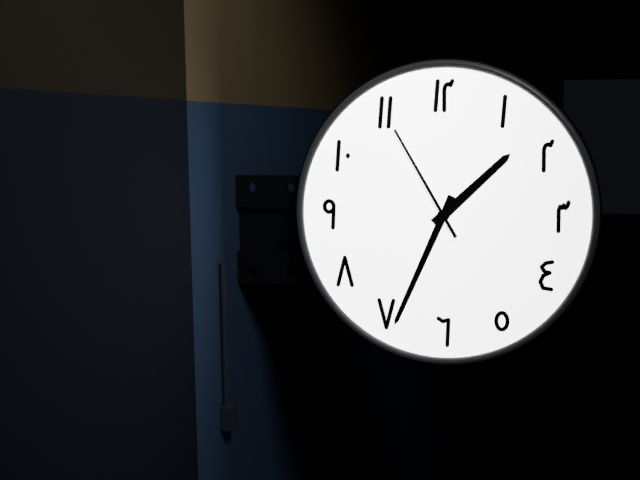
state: 1:34:55
